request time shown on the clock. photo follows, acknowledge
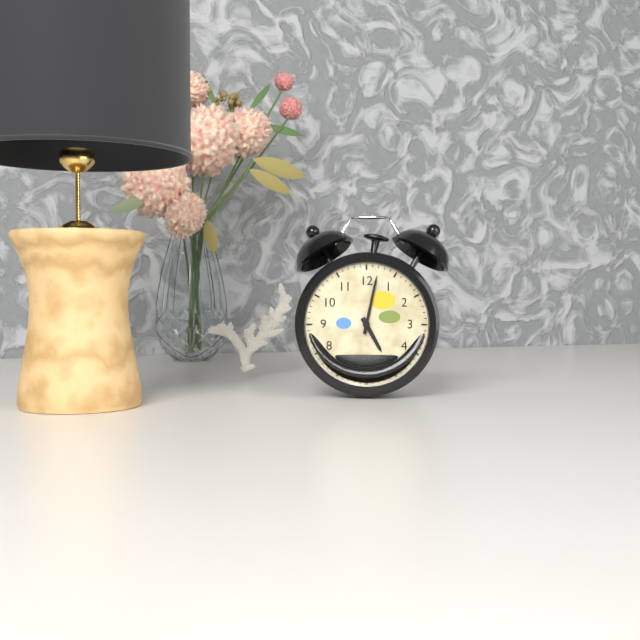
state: 5:02
